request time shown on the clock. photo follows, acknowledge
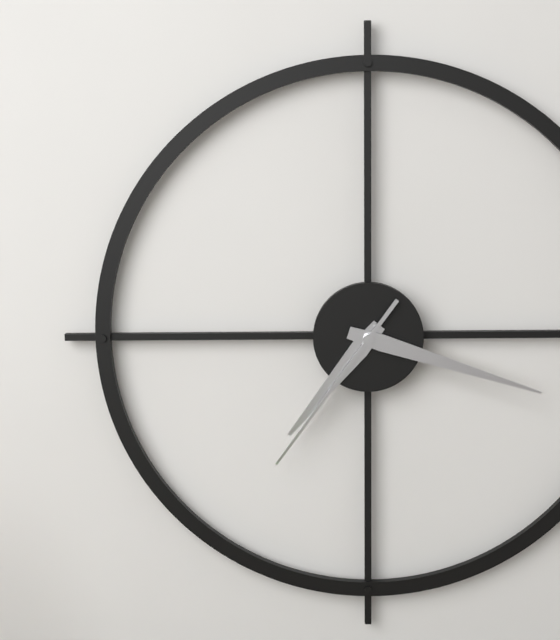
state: 7:18:36
